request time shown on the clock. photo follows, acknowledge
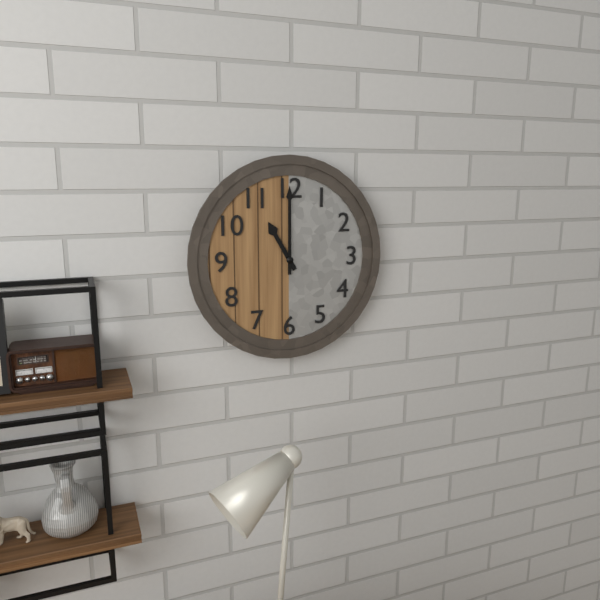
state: 11:00
